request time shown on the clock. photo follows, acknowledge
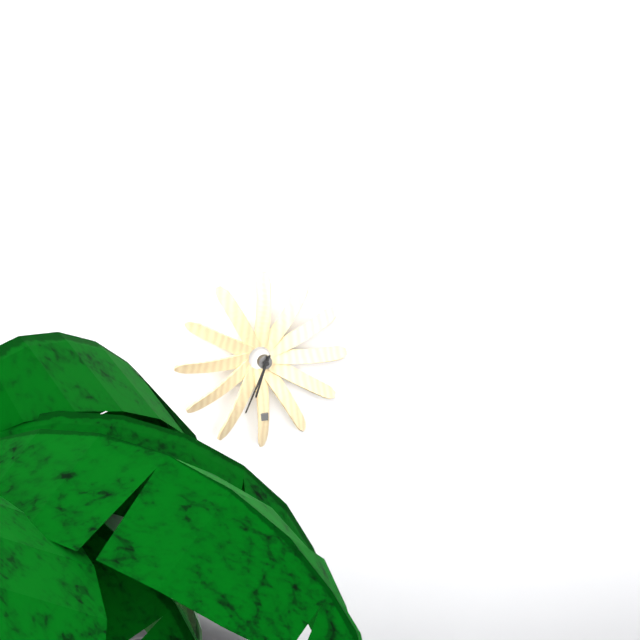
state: 6:34
